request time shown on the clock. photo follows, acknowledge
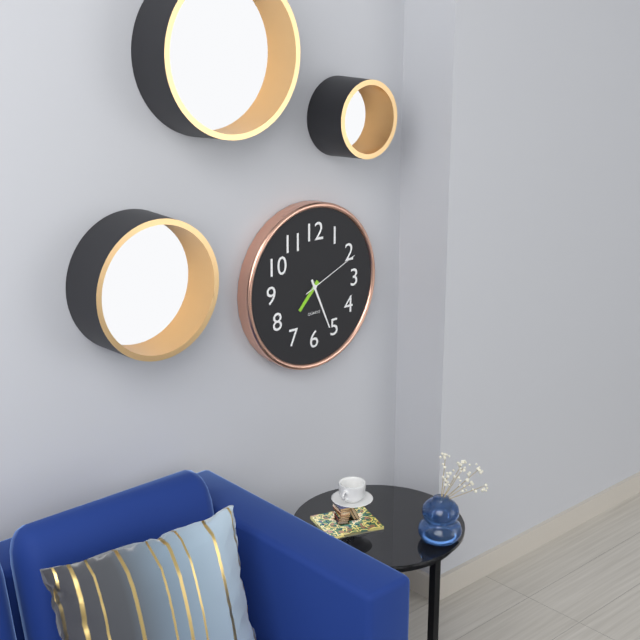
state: 7:26:11
